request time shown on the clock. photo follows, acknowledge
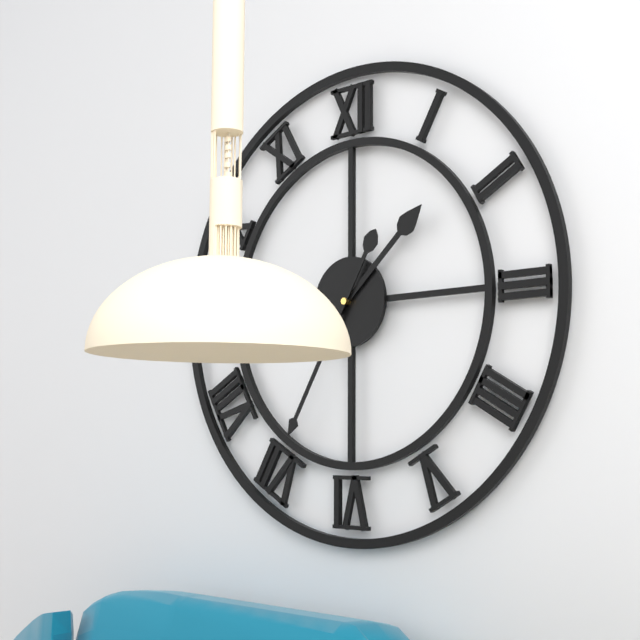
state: 1:35
